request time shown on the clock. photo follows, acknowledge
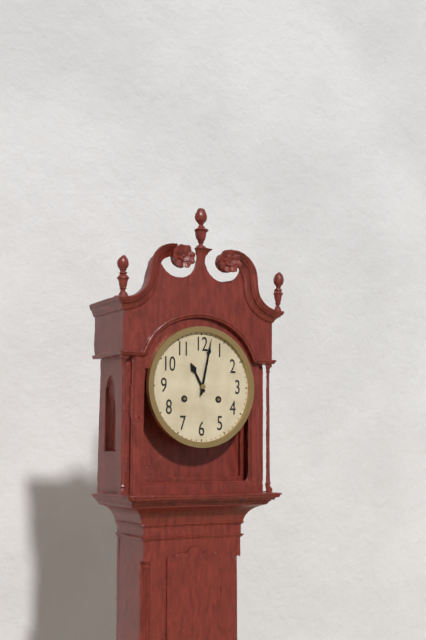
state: 11:02
